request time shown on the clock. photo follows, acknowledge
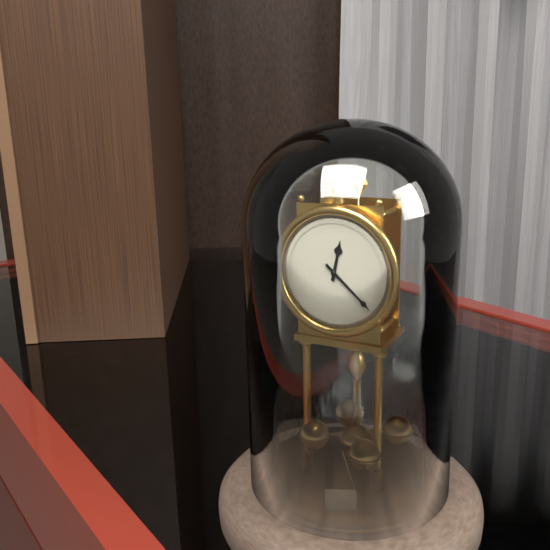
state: 12:22
